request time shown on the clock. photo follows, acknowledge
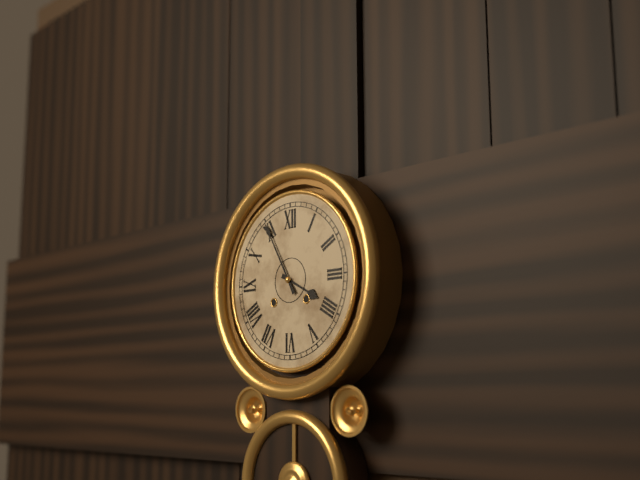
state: 3:55
